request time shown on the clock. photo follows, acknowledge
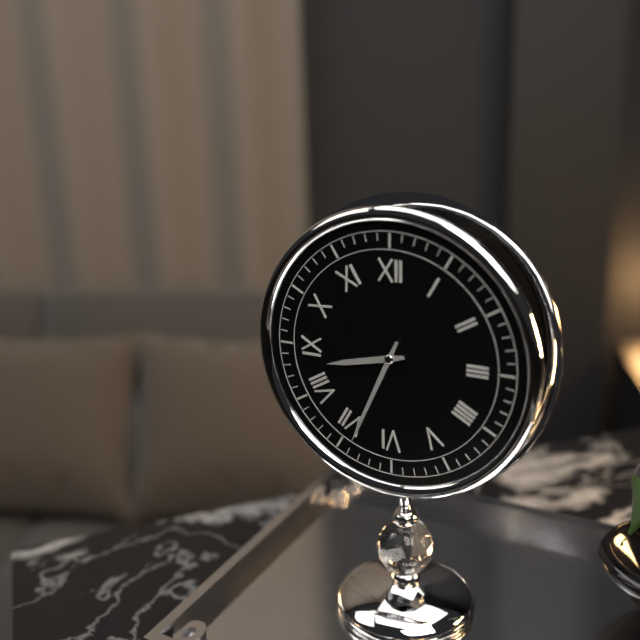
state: 8:34
